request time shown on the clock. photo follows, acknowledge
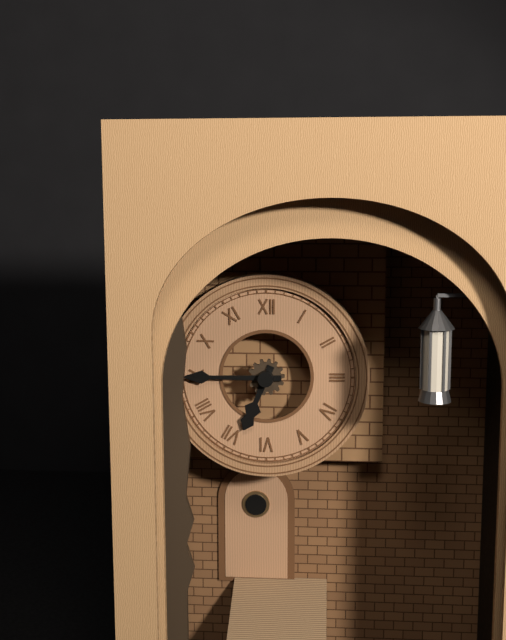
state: 6:45
